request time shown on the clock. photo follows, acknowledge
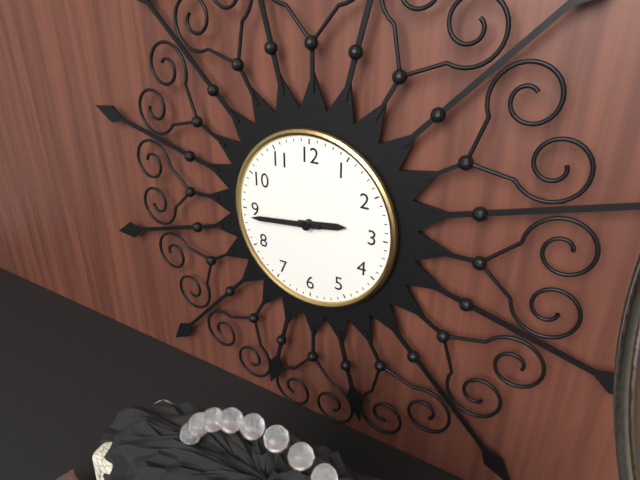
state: 2:44
